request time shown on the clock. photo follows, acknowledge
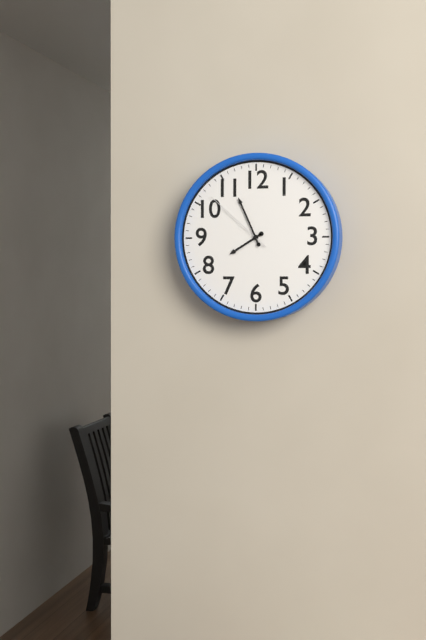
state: 7:56:52
